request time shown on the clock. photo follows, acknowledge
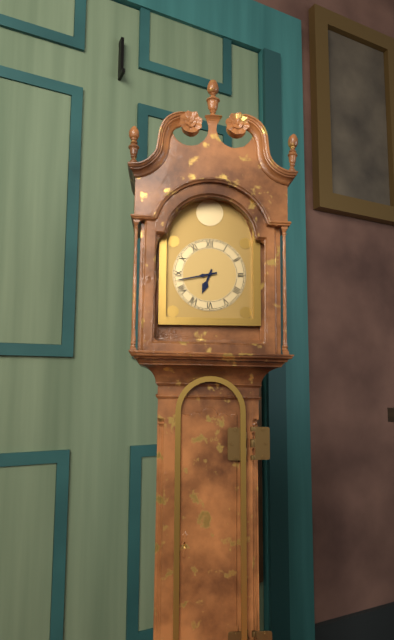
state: 6:43
